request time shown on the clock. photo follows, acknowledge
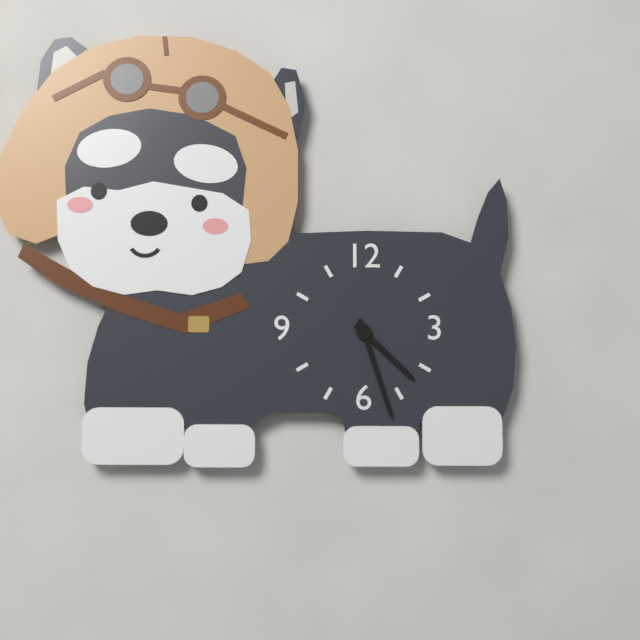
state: 4:27
